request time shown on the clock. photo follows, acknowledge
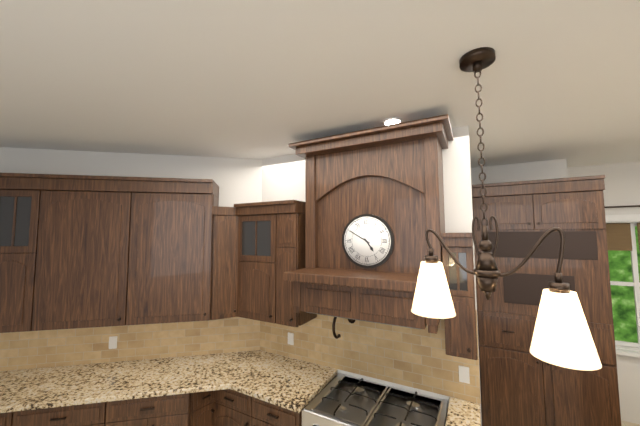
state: 4:50
